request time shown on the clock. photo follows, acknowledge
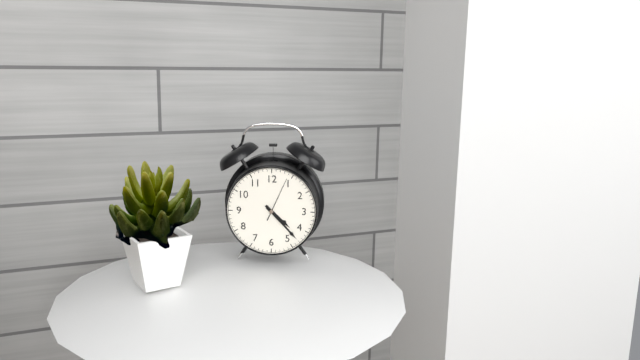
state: 4:23
